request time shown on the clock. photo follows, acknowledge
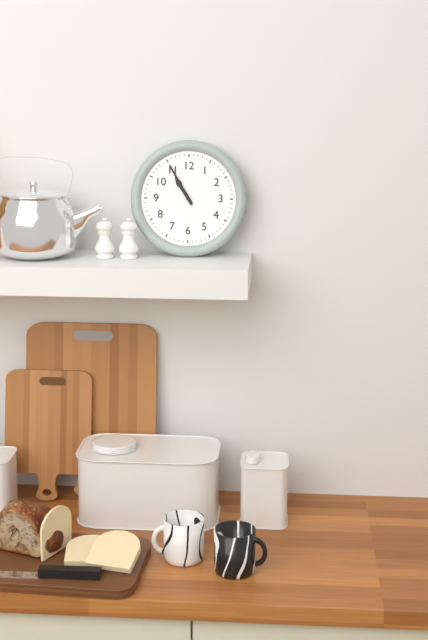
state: 10:55
